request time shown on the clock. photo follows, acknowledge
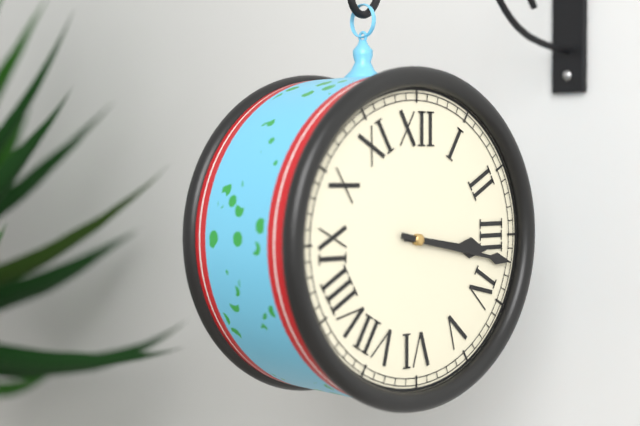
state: 3:17
